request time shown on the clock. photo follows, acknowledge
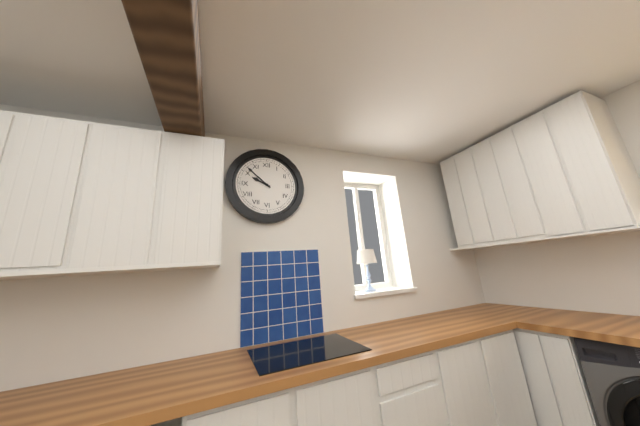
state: 9:52
